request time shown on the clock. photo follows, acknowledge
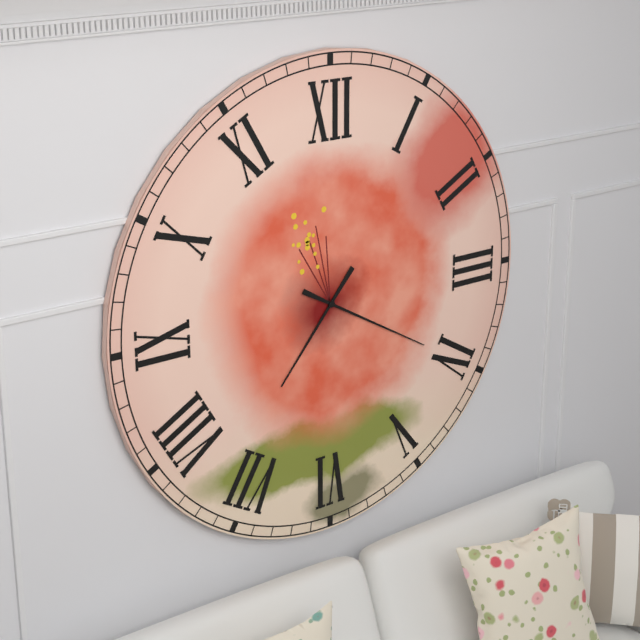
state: 7:20
